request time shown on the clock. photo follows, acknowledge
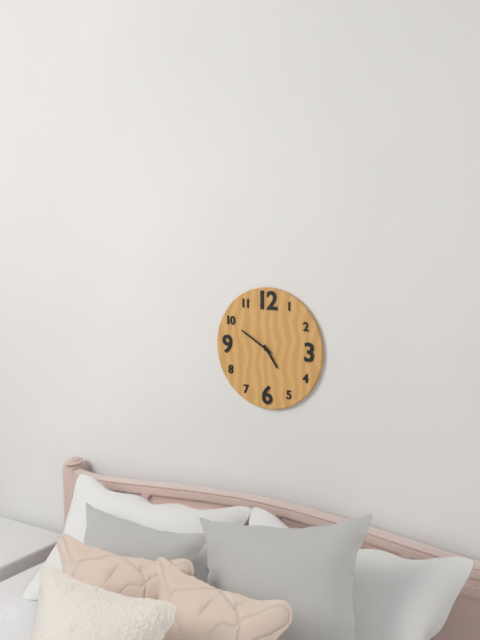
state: 4:50
